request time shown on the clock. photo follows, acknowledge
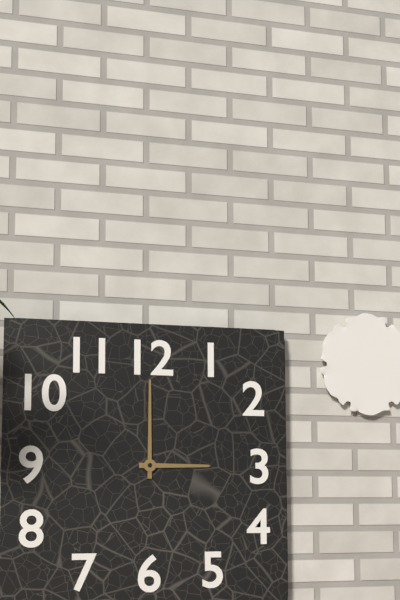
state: 3:00
